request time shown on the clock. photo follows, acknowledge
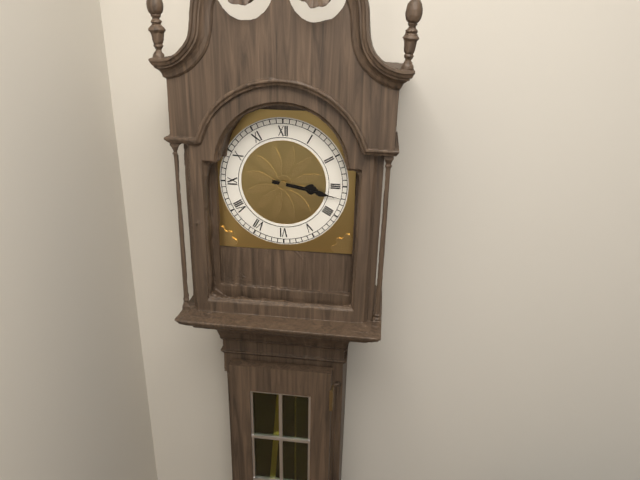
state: 3:17
